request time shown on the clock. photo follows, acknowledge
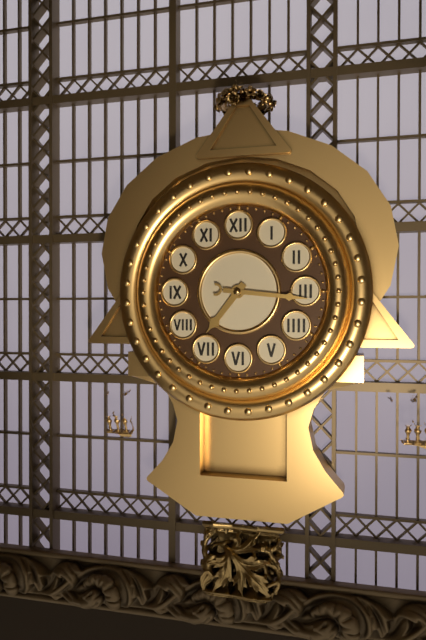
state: 7:16
